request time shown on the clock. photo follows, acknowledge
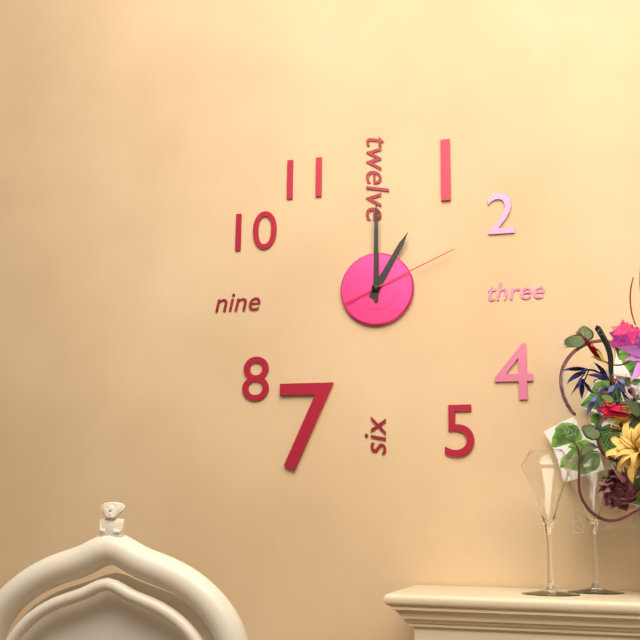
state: 1:00:11
